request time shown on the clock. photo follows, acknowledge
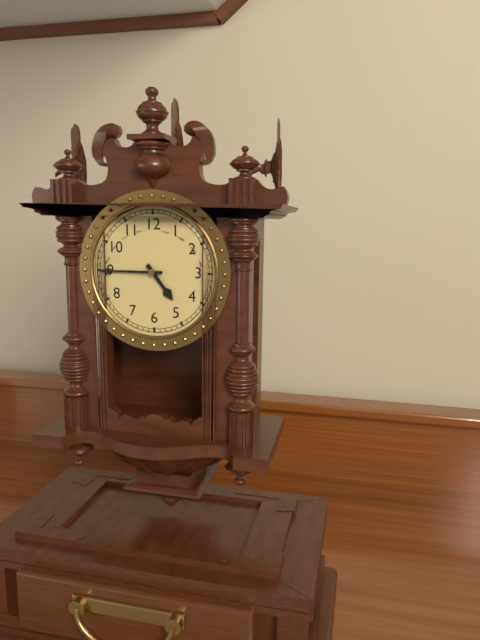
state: 4:45
